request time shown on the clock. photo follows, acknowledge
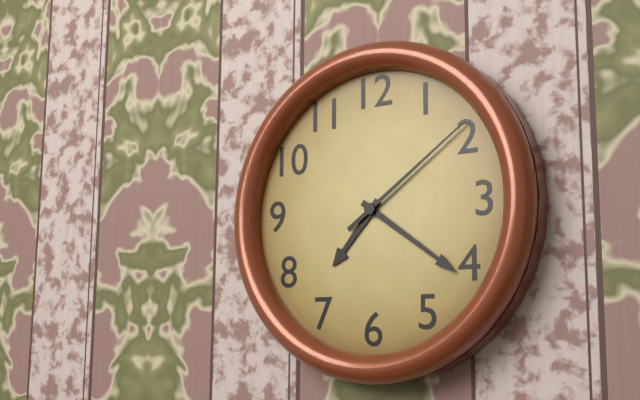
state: 7:21:09
